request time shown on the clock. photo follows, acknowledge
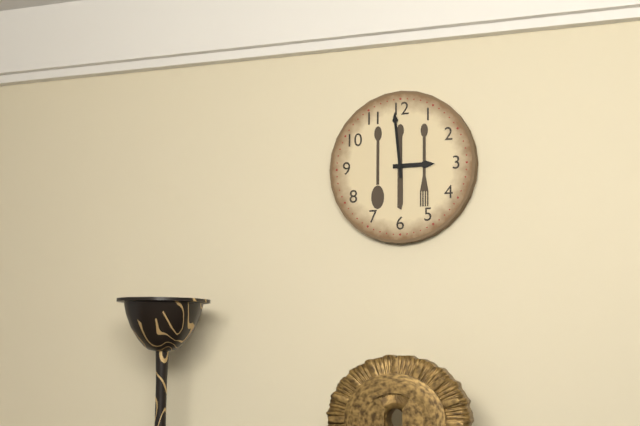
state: 2:59
